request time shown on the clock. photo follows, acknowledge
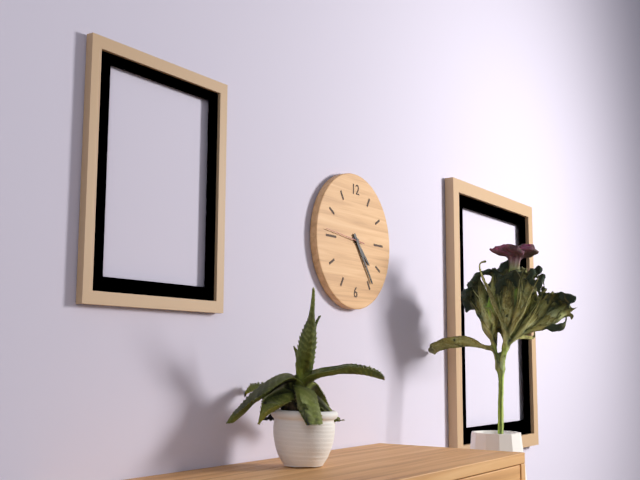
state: 4:24
